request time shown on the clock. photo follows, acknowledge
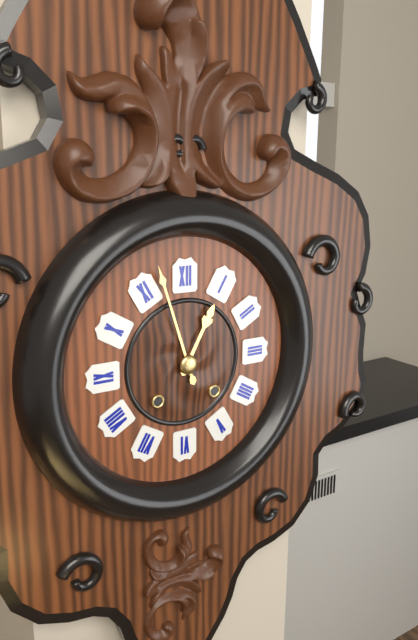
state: 12:57
